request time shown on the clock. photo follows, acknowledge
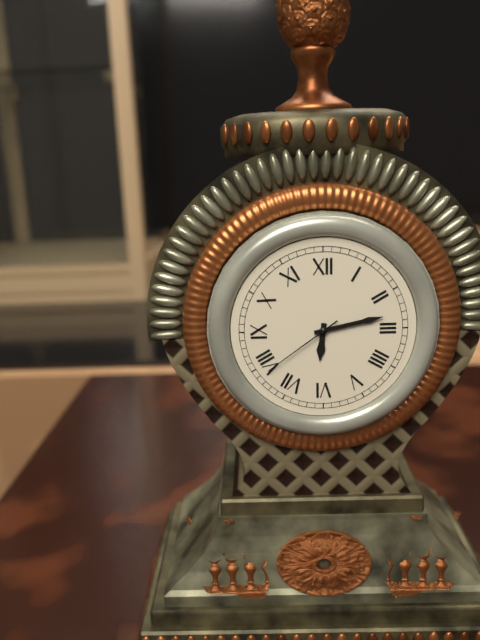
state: 6:13:39
